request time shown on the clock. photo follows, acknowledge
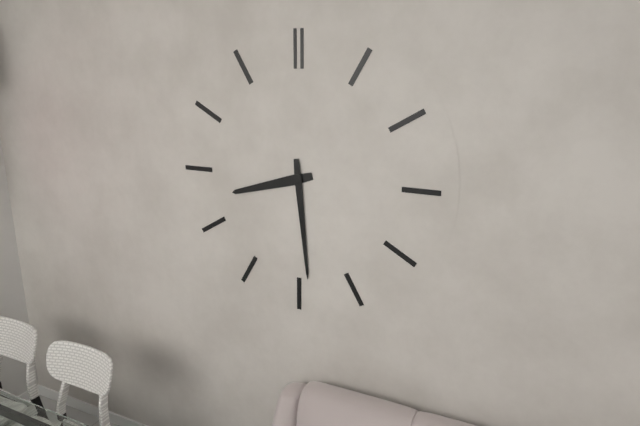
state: 8:29
